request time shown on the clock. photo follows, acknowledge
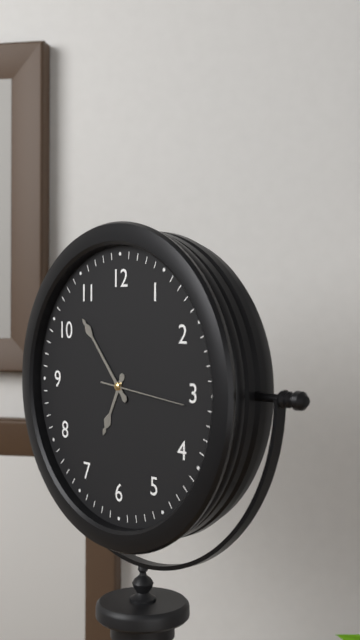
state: 6:53:16
